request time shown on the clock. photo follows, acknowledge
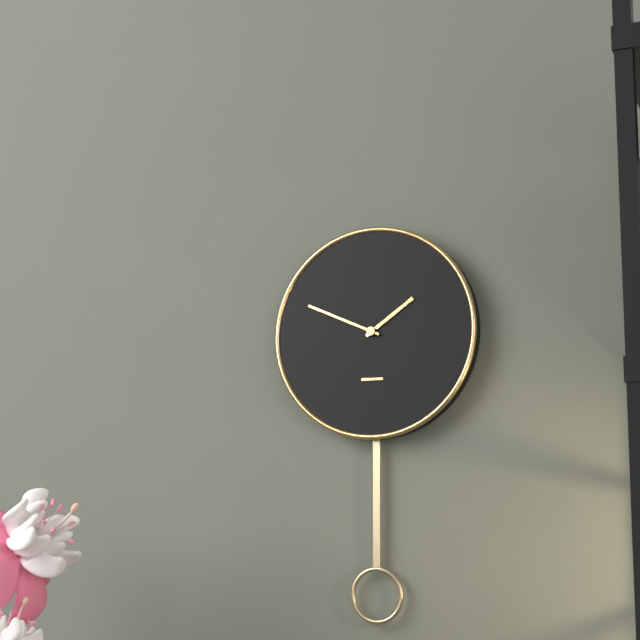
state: 1:49
